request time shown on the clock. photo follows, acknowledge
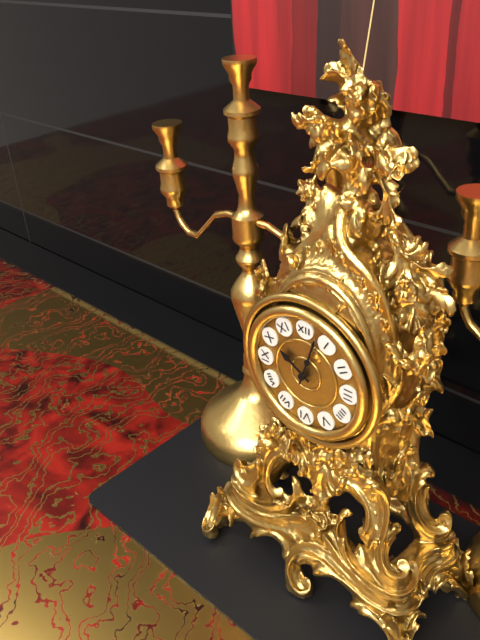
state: 10:03
